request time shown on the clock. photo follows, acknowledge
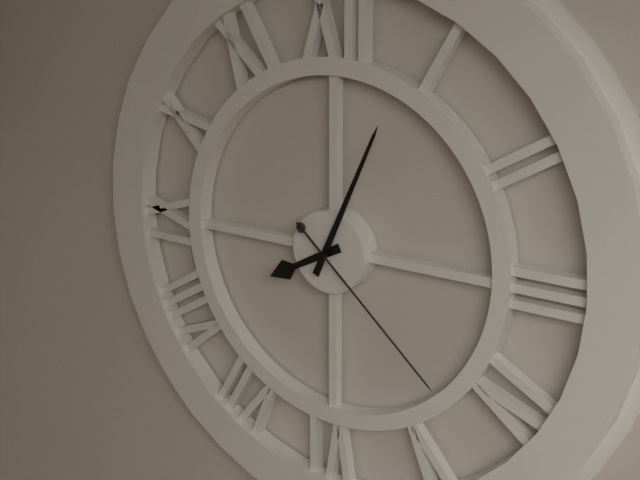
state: 8:04:22
